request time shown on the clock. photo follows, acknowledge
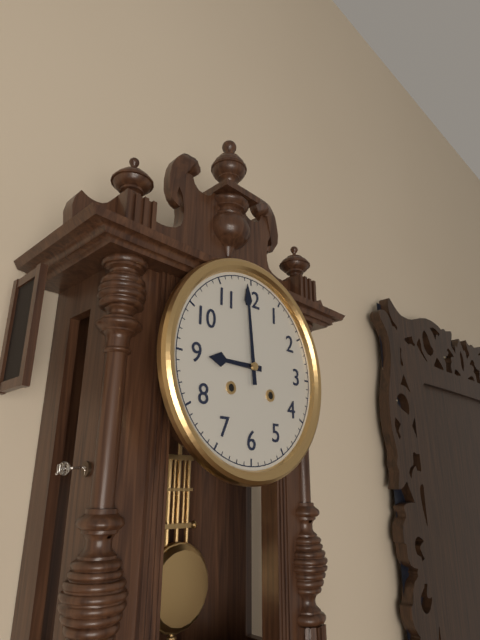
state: 8:59
